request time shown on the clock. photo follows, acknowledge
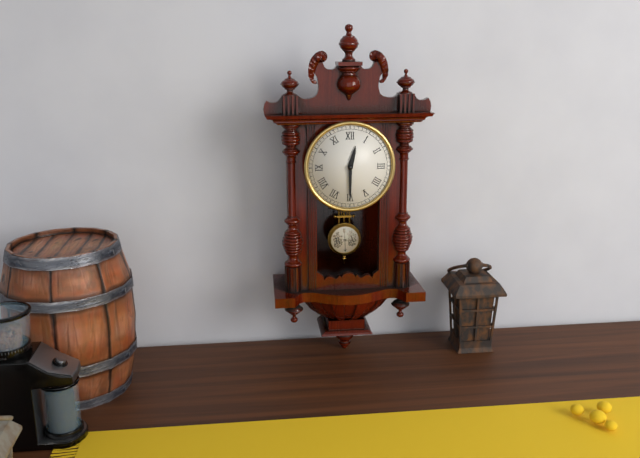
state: 12:30
